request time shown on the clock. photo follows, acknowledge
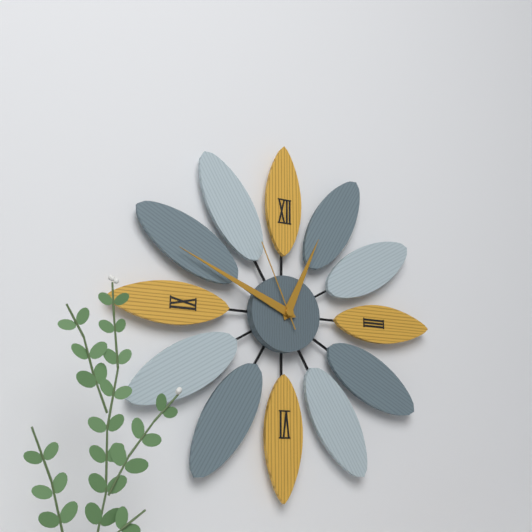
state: 12:49:56
